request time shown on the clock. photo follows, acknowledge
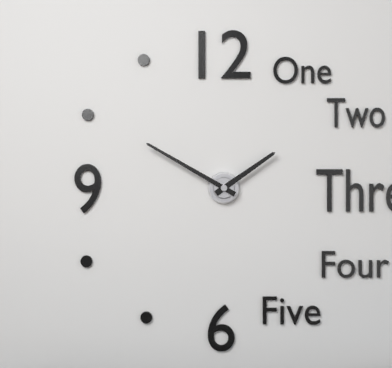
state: 1:50
